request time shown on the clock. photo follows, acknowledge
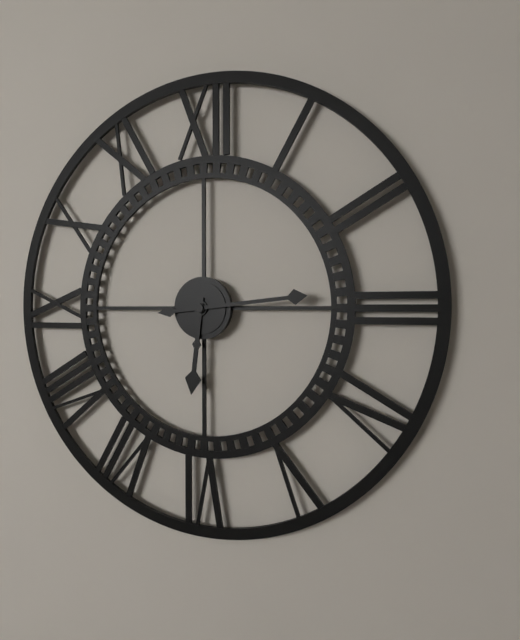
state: 6:14
